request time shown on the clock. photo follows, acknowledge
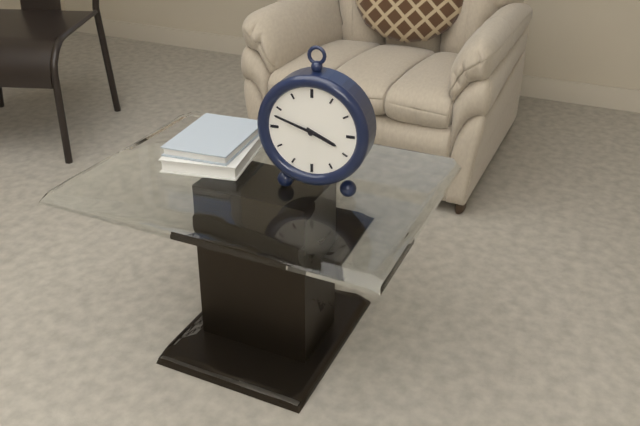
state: 3:48
